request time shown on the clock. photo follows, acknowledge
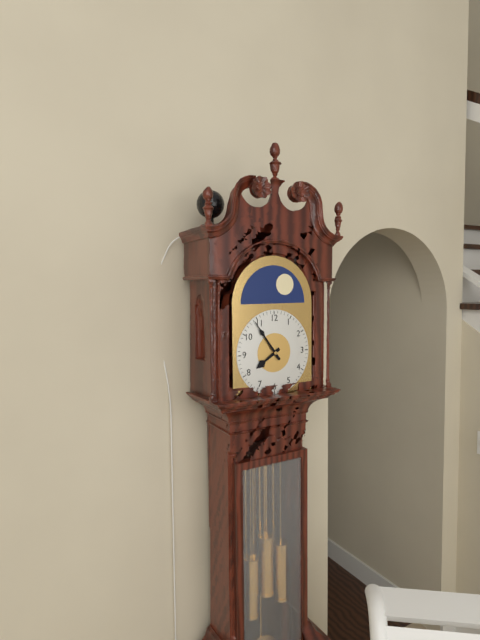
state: 7:54
